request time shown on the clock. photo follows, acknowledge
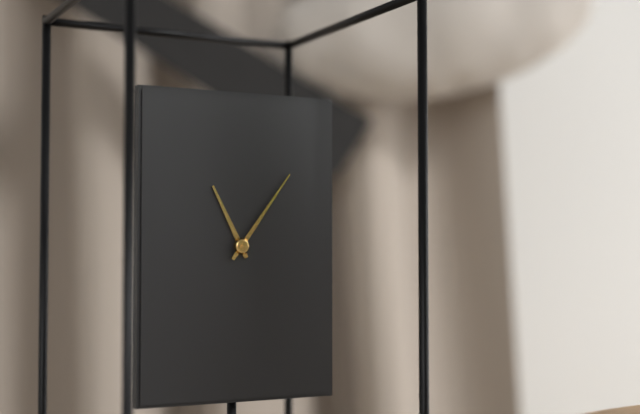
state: 11:06
